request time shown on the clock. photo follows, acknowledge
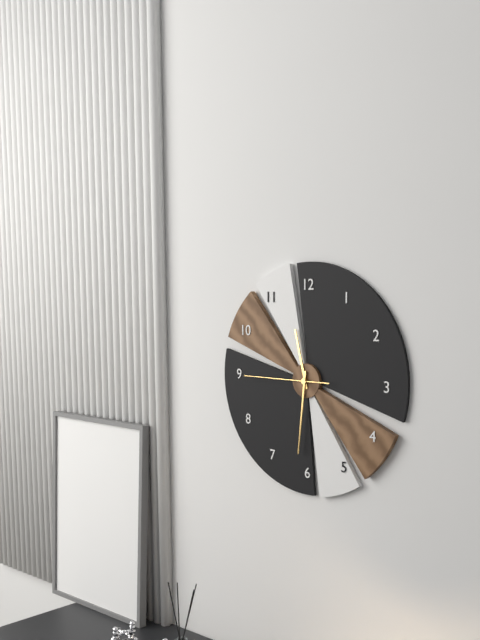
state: 11:31:45
